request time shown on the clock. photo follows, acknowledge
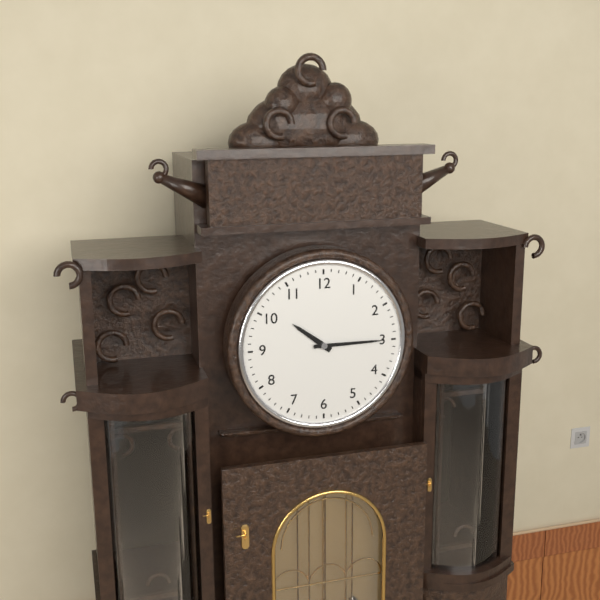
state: 10:15
